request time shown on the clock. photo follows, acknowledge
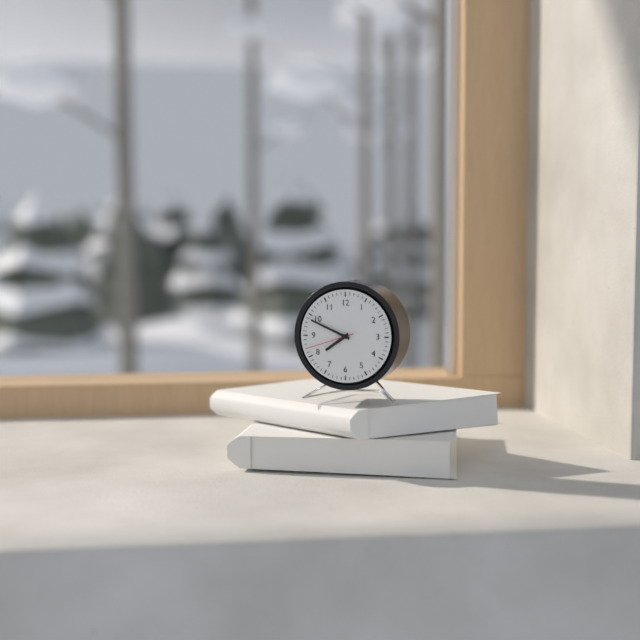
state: 7:49:42
